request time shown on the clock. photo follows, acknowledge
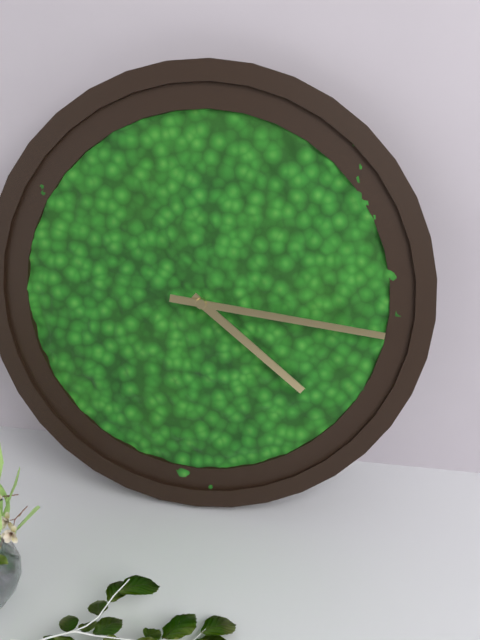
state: 4:16
